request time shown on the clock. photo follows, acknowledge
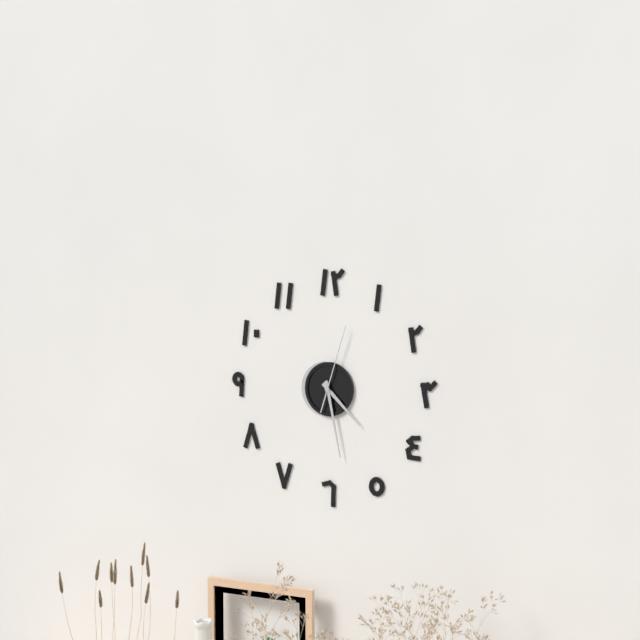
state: 4:28:03
